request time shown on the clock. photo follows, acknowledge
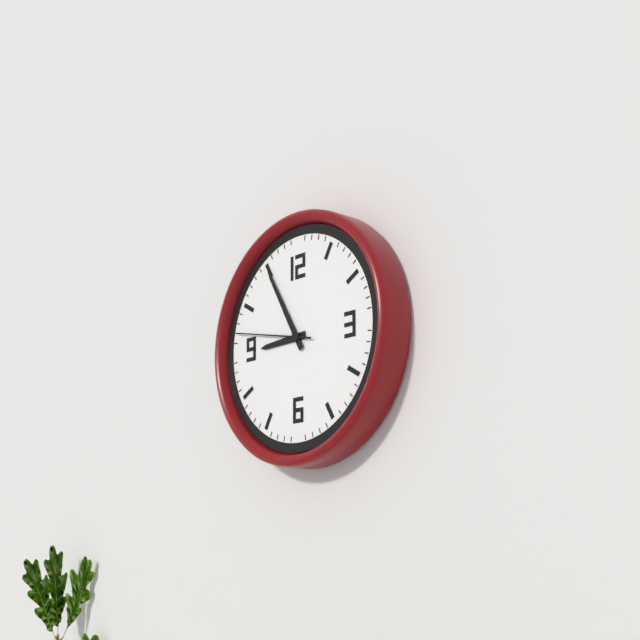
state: 8:55:47
